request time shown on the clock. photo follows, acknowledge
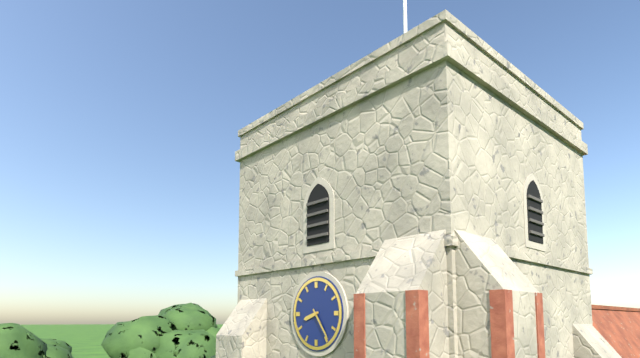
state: 8:24
